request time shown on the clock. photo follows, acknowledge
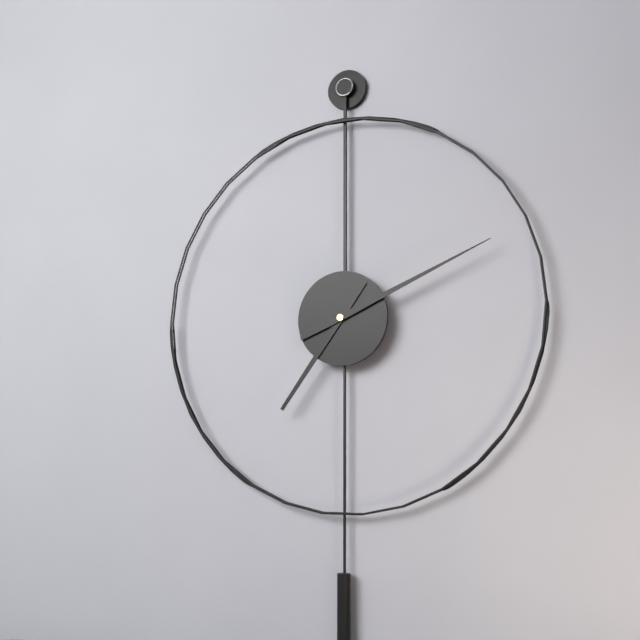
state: 7:11
